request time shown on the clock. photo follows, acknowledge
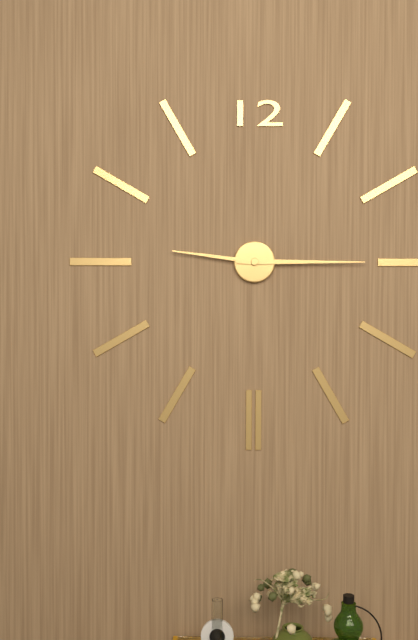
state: 9:15
